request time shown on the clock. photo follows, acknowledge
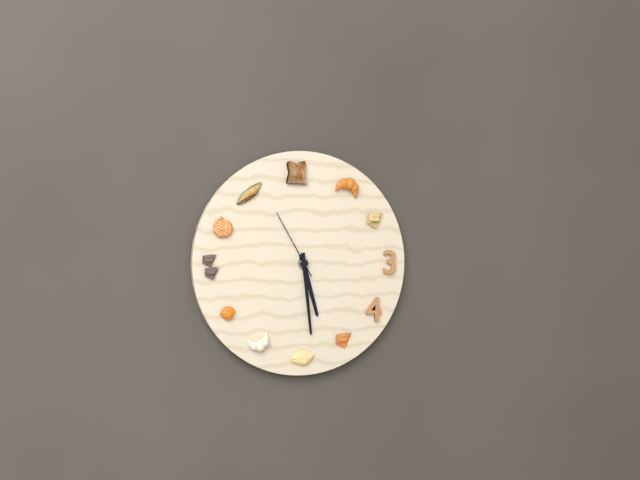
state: 5:29:55
